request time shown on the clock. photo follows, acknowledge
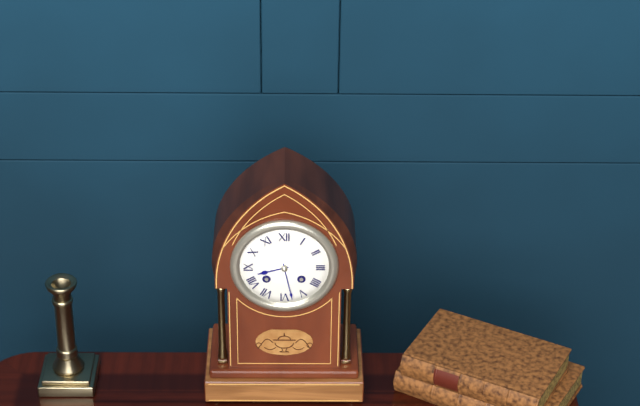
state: 8:28
